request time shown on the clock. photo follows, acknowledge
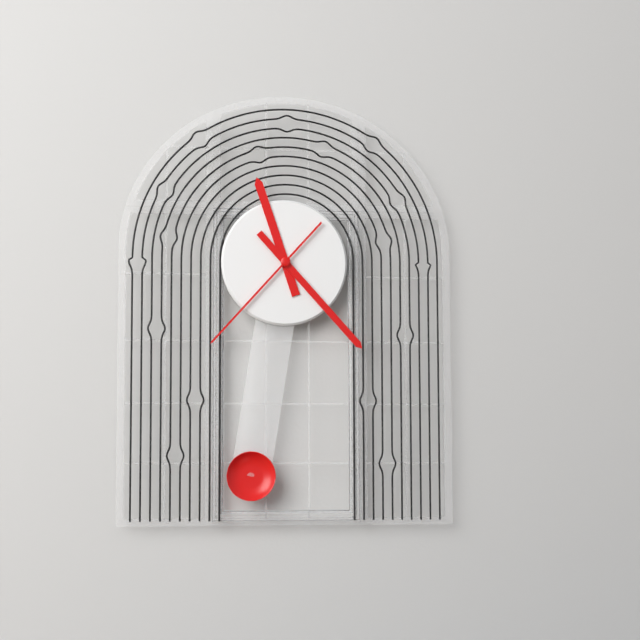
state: 11:23:37
